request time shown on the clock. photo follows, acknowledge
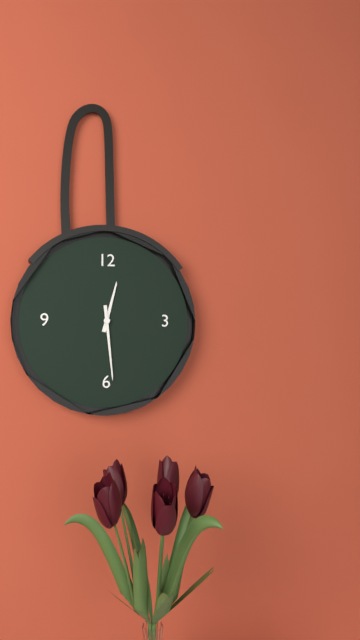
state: 12:29
